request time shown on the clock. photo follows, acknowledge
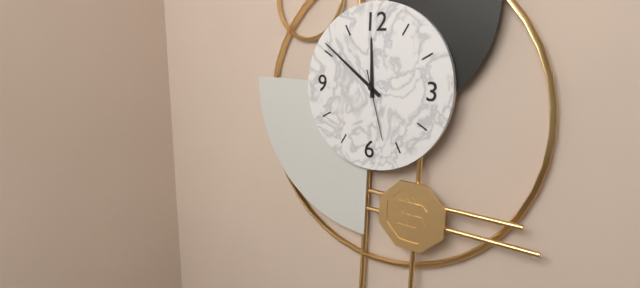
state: 11:51:27
